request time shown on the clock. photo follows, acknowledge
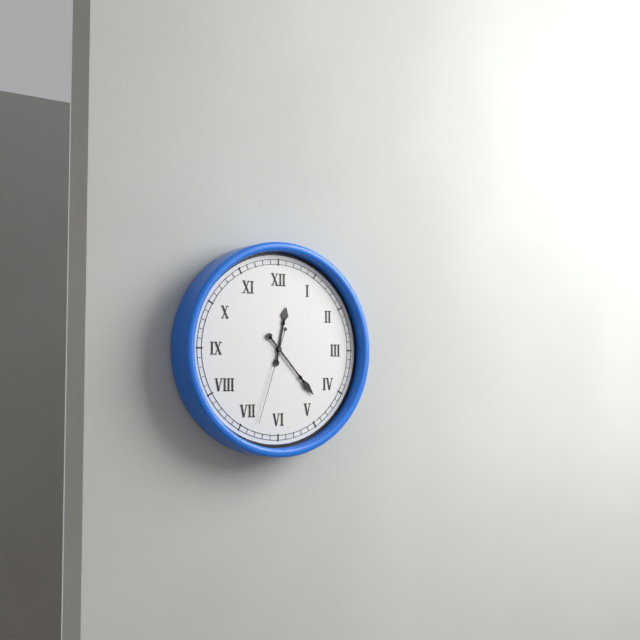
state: 12:23:33
